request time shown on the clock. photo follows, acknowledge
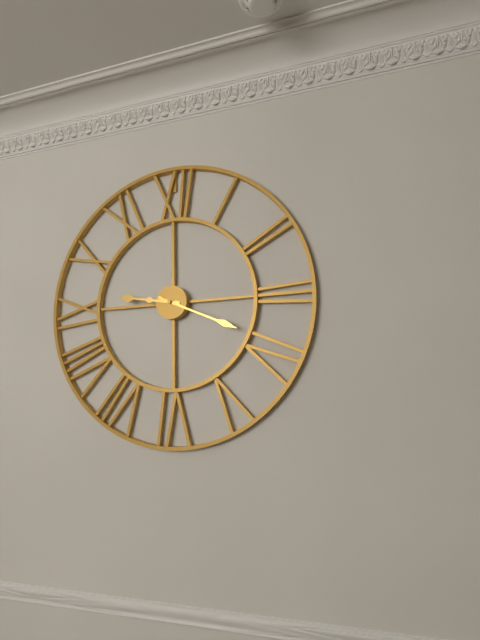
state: 9:19
